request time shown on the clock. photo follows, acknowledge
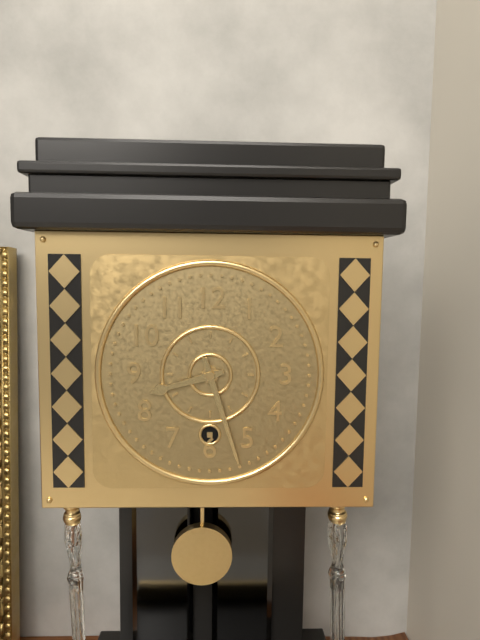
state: 8:27
